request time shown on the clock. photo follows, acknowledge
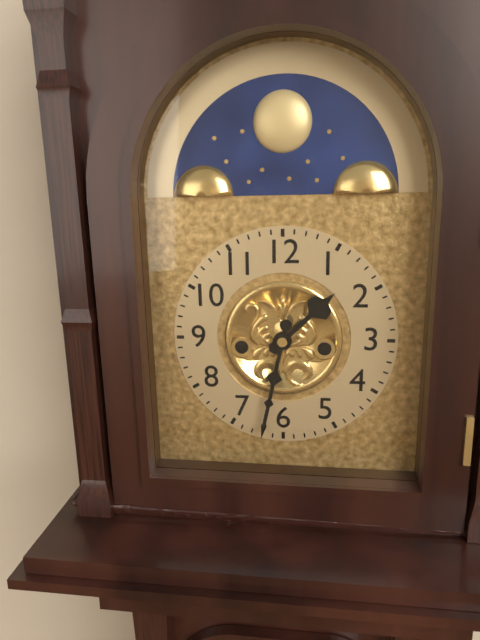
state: 1:32
